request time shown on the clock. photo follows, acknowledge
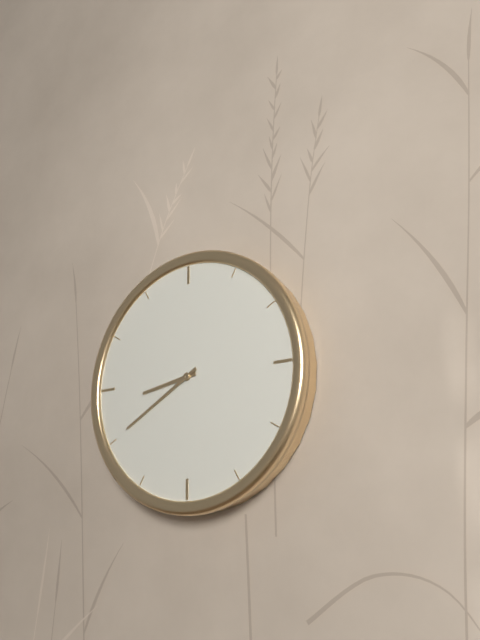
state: 8:40
